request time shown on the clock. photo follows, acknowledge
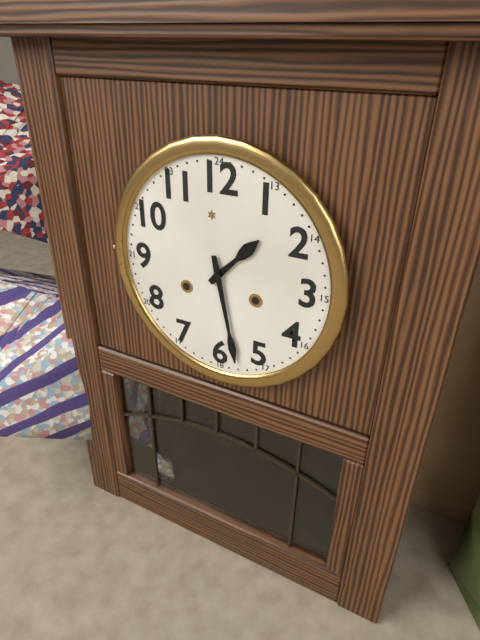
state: 1:28
